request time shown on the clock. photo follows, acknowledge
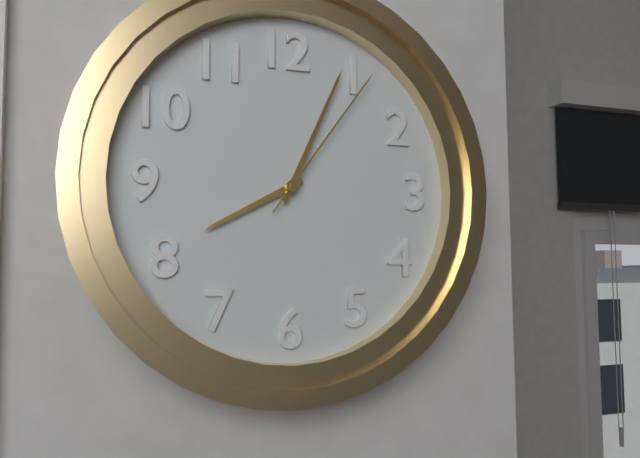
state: 8:04:06
